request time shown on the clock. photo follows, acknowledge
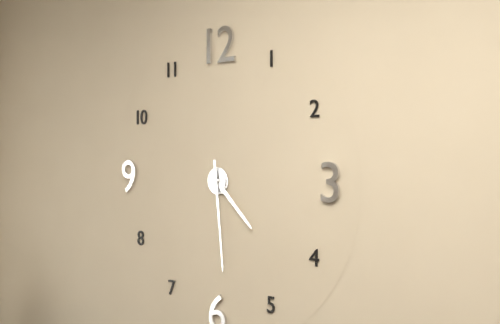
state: 4:29
